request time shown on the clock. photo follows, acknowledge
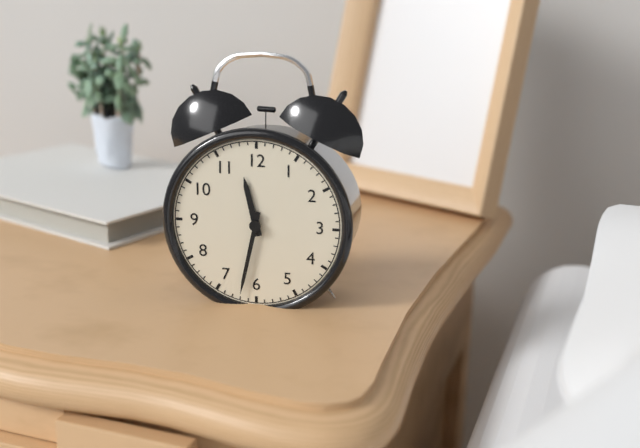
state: 11:32
